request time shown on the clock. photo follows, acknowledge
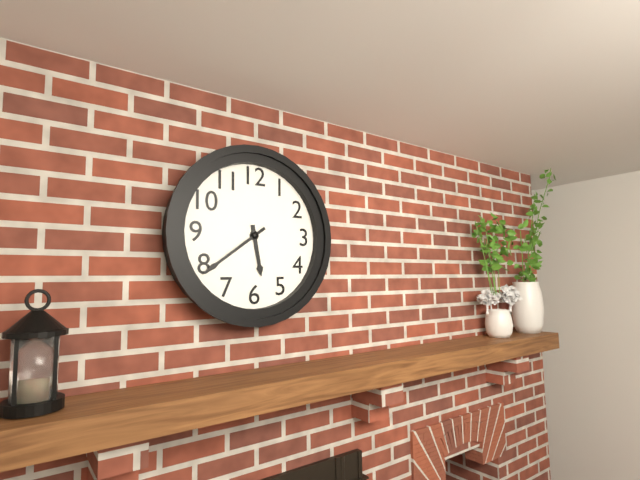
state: 5:39
